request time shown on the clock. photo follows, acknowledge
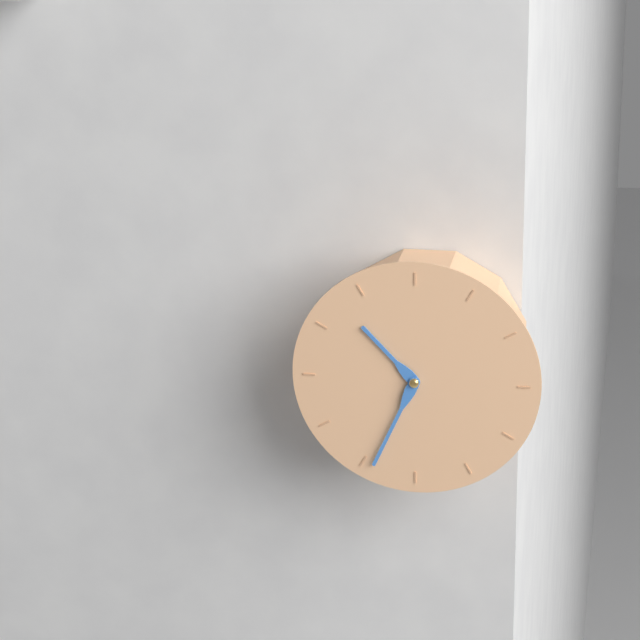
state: 10:34
